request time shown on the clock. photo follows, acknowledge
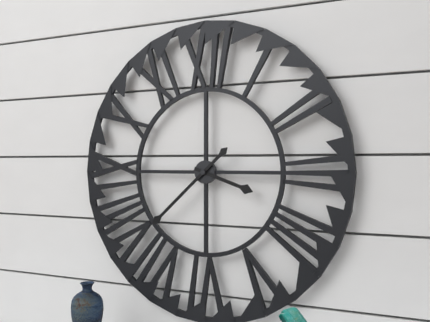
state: 3:38
